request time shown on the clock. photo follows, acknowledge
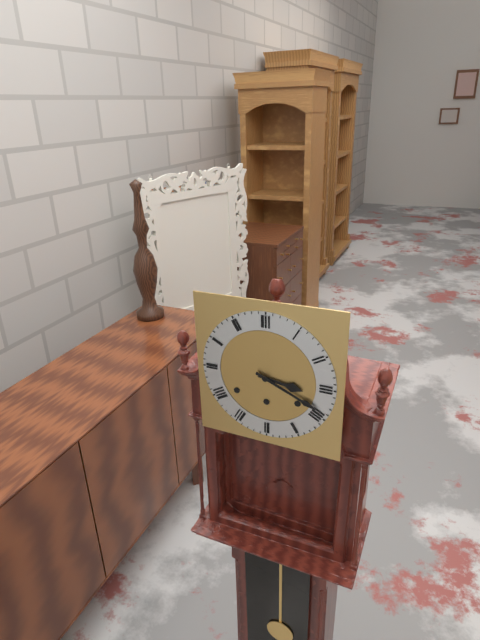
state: 3:19
